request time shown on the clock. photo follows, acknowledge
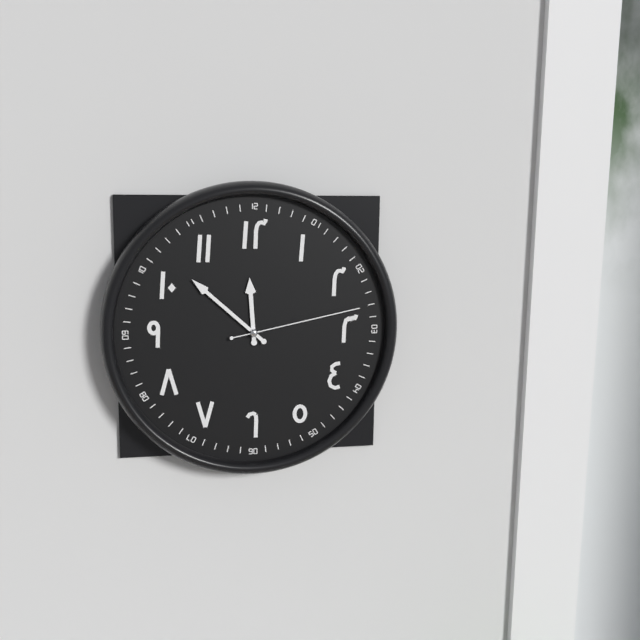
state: 11:52:13
